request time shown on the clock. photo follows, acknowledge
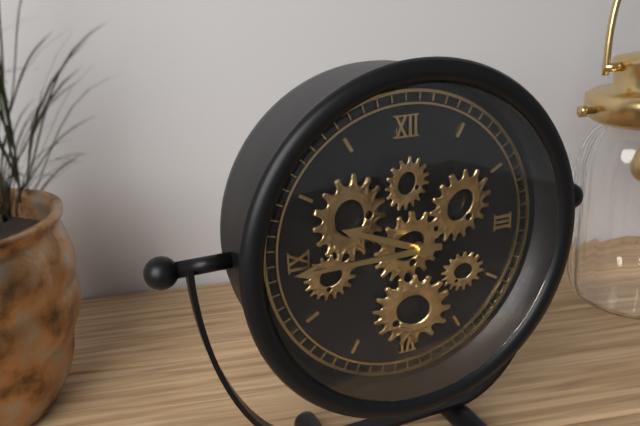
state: 9:45
